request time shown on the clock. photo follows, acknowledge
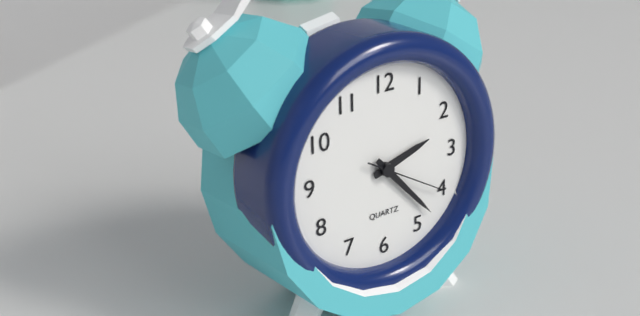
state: 2:23:20
